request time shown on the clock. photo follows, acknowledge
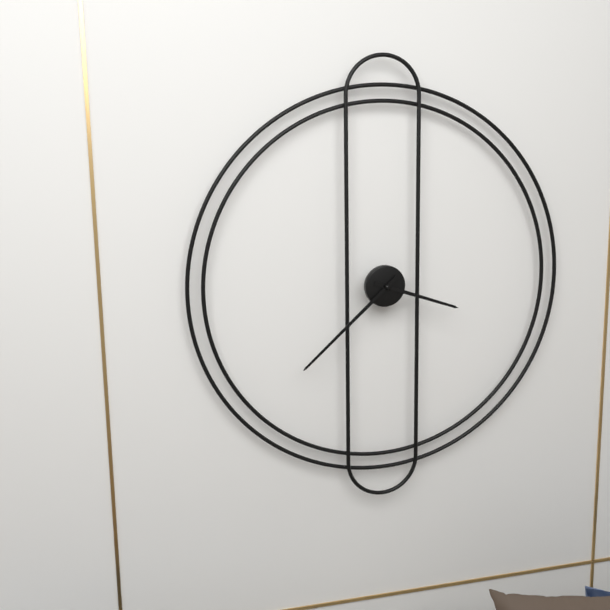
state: 3:38
